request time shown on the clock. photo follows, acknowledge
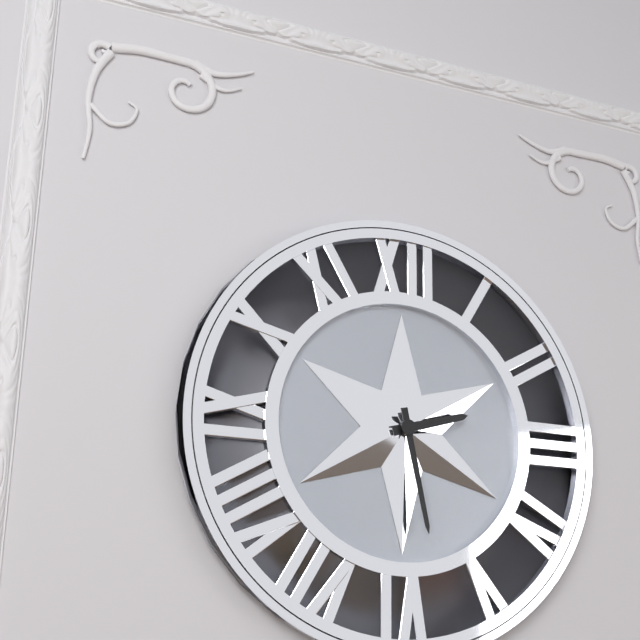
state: 2:28
